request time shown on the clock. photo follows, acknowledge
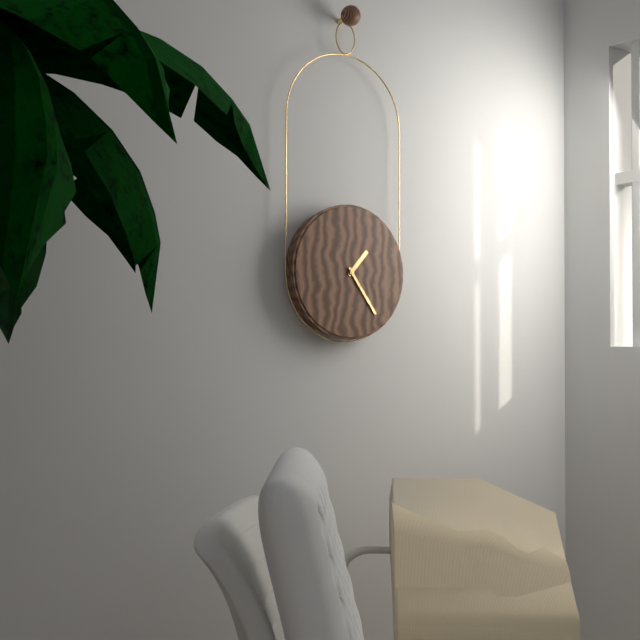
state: 1:24
